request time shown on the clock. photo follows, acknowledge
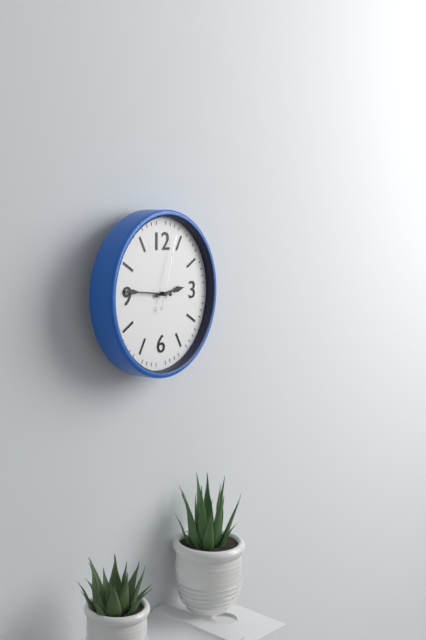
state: 2:46:03
